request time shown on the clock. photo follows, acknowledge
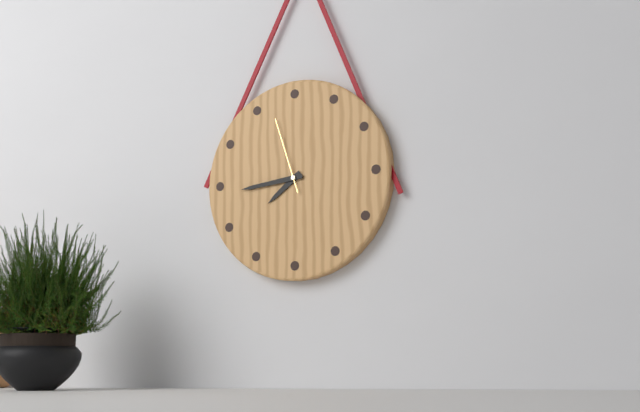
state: 7:44:57
